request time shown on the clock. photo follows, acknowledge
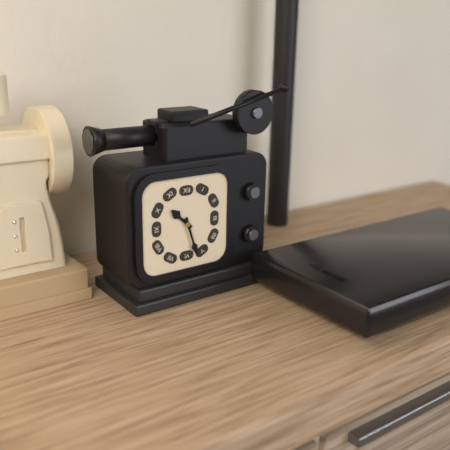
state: 10:27
